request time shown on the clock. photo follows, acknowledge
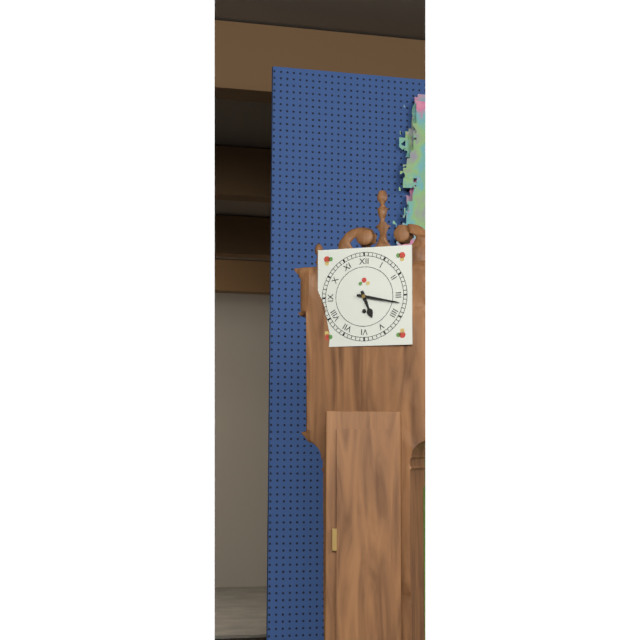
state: 5:17
